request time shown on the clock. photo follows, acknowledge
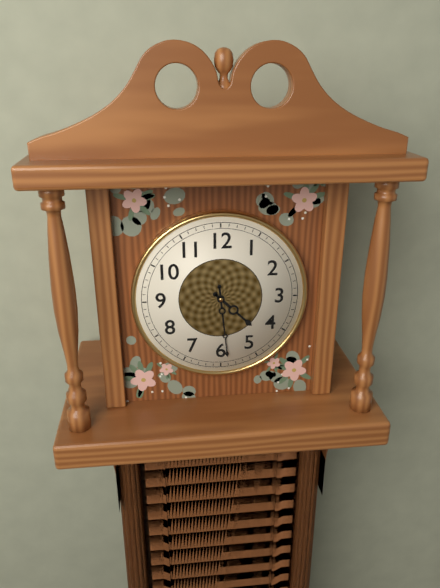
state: 4:29
